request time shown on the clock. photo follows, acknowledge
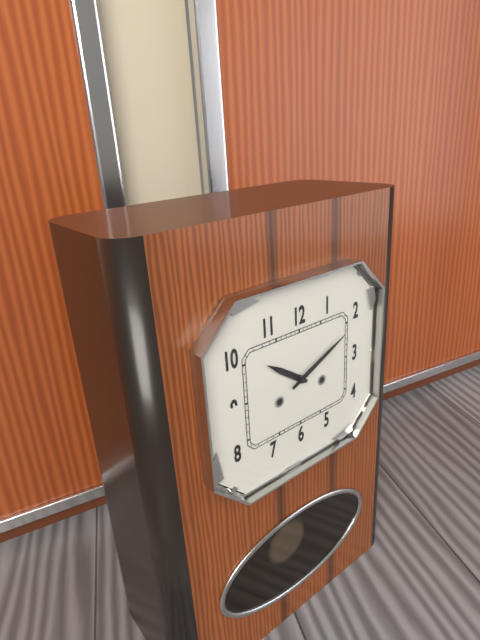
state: 10:11
